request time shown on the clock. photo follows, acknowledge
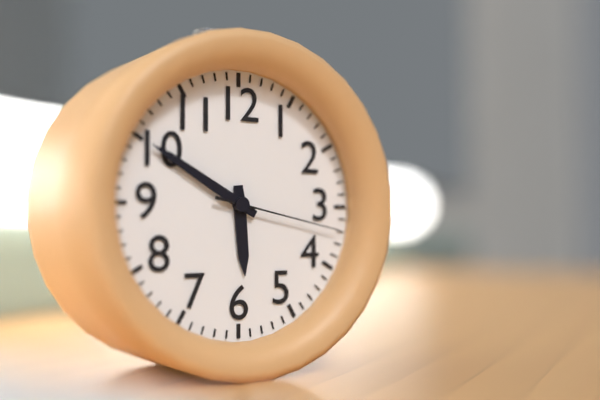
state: 5:50:17
